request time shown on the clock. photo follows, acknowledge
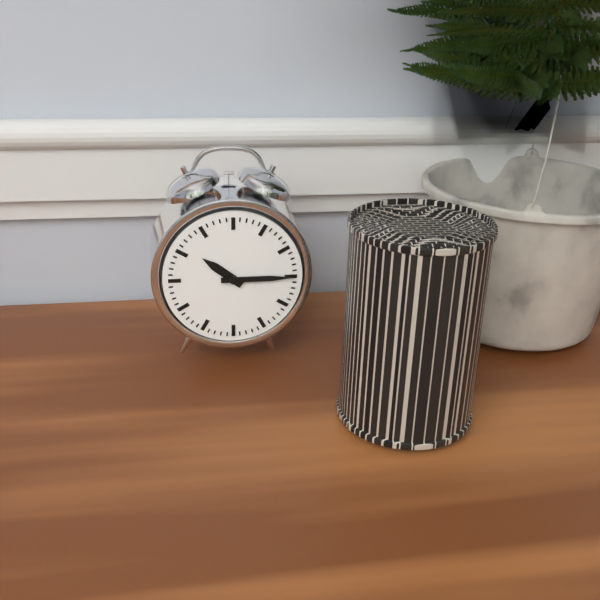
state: 10:15
